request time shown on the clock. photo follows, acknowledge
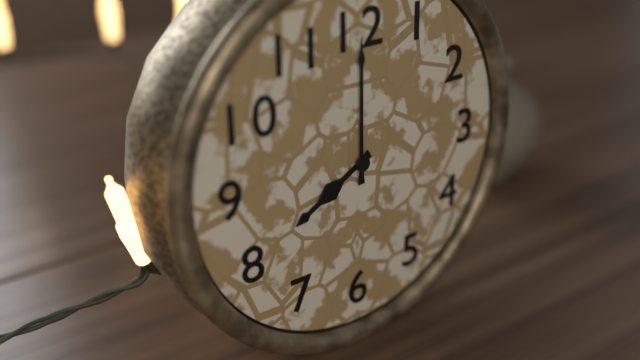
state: 8:00
